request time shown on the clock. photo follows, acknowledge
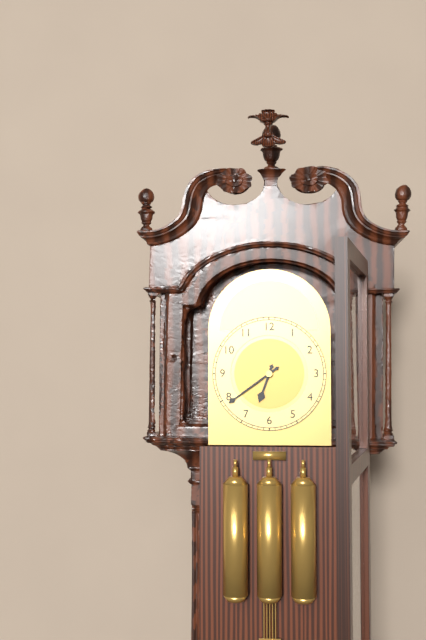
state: 6:39
